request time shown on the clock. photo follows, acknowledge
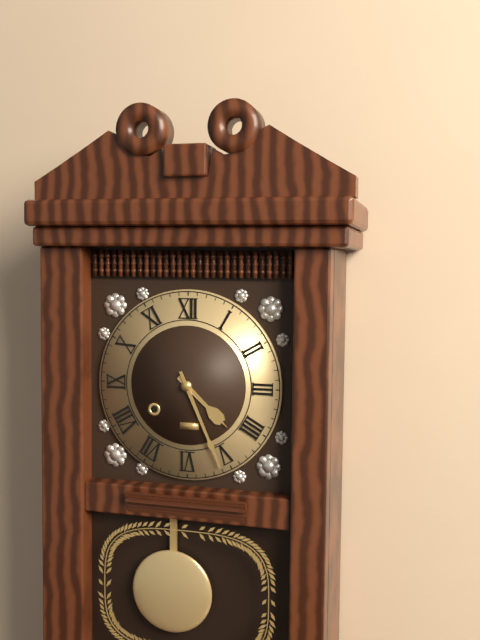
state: 4:26
